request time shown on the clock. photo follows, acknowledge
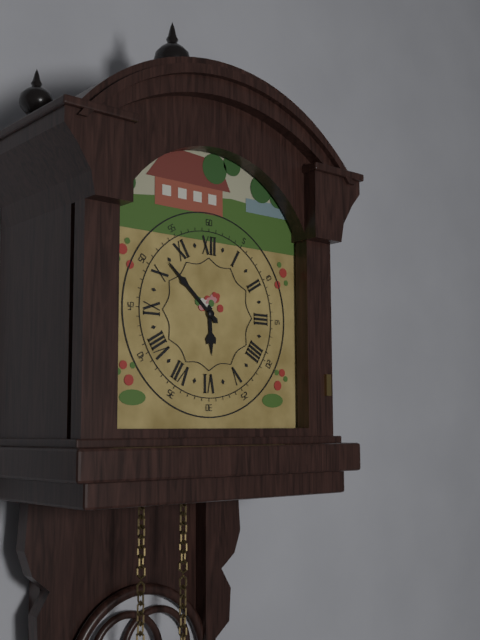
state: 5:52
